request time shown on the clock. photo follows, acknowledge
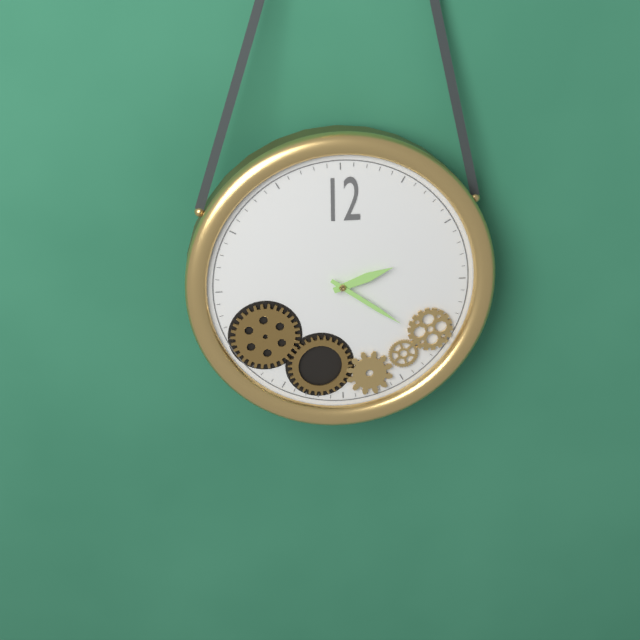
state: 2:21
